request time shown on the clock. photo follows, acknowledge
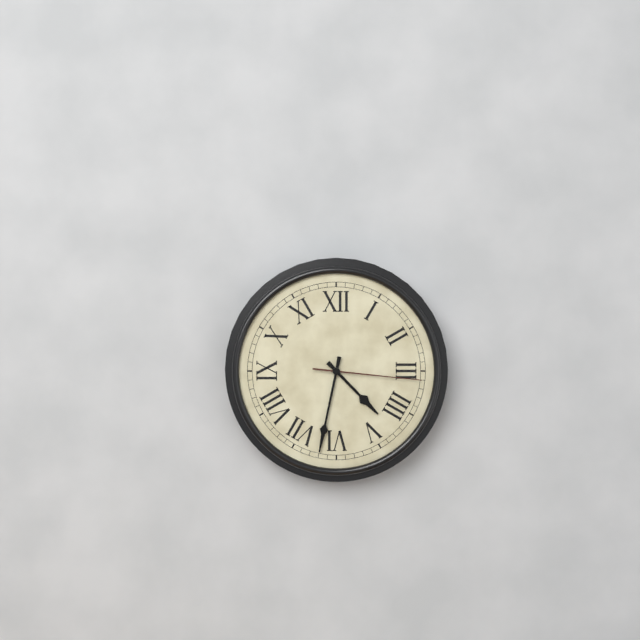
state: 4:32:16
